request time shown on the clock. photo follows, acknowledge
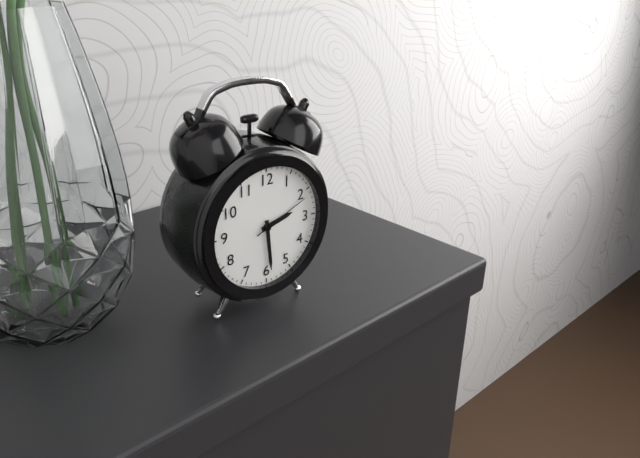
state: 2:29:11
